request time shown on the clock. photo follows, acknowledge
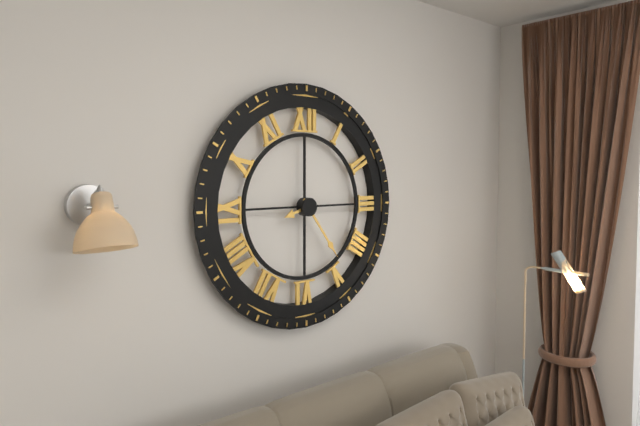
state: 8:24
